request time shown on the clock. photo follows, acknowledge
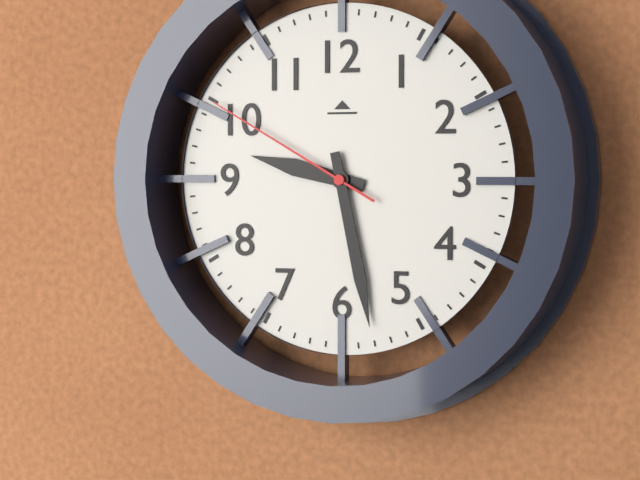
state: 9:28:50
